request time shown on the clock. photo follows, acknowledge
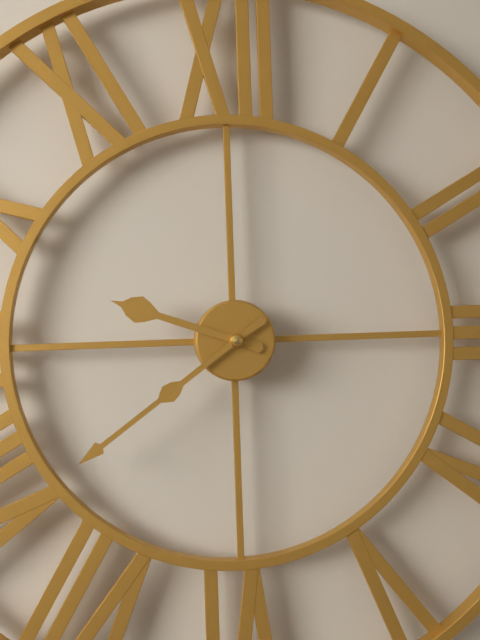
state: 9:39
